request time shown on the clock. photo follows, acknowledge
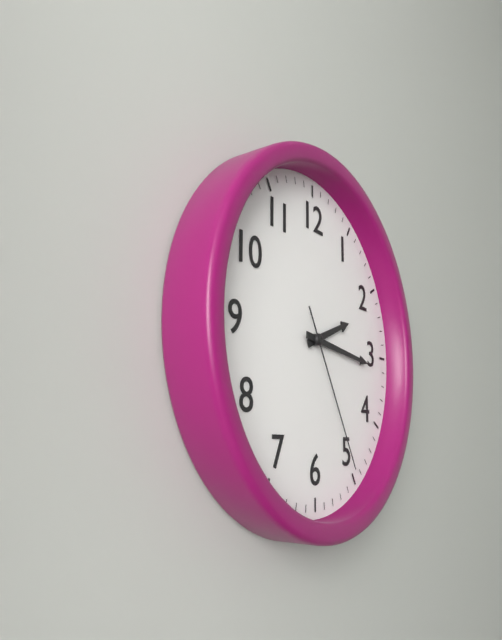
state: 2:16:25
